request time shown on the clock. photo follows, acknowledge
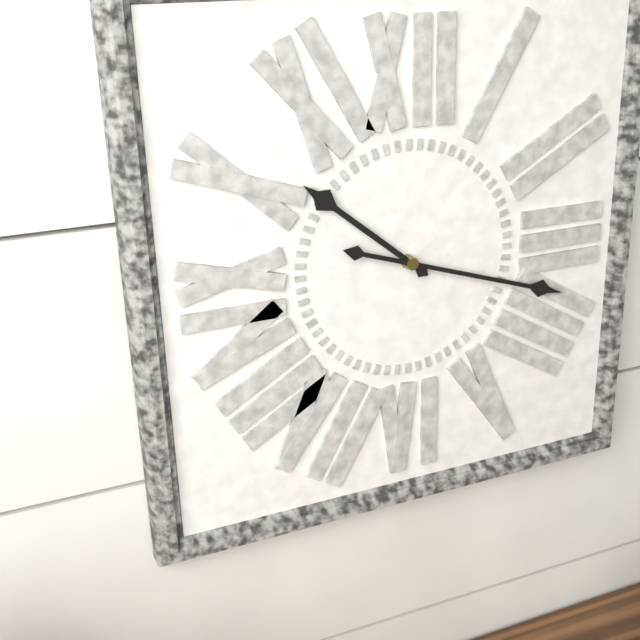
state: 10:18
